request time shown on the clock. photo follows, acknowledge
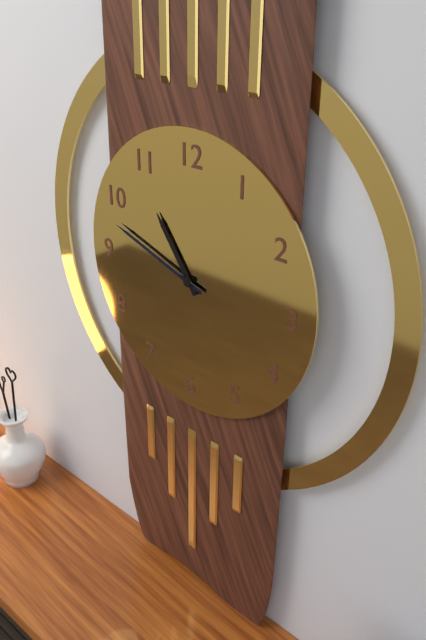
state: 10:48
